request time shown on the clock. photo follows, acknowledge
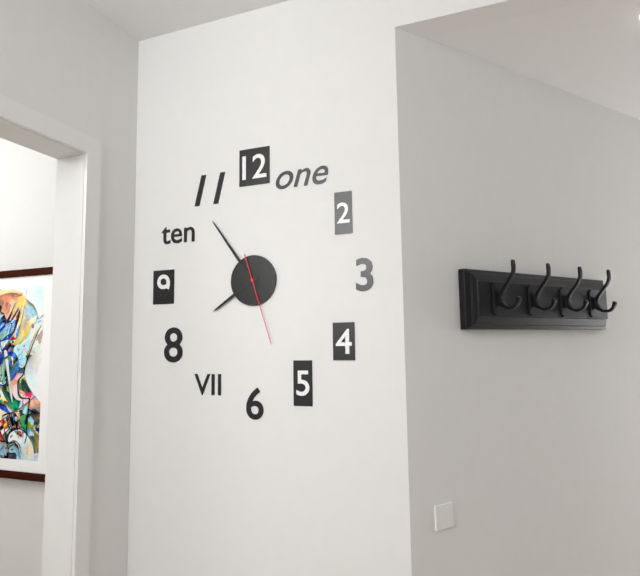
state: 7:54:27
